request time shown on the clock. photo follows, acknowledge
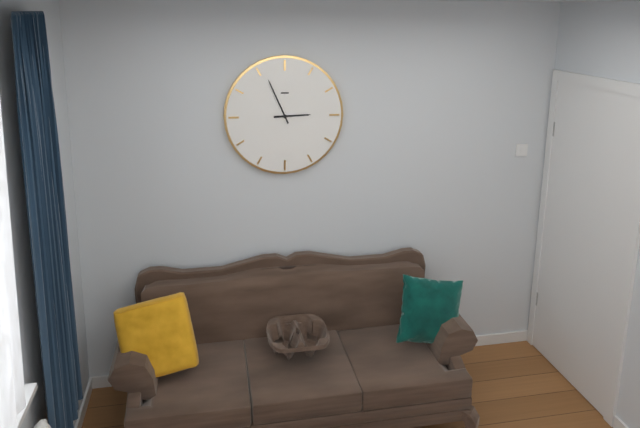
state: 2:56
